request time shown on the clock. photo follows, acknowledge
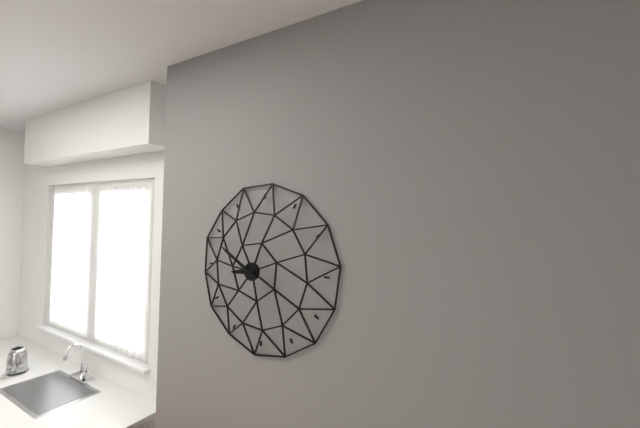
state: 8:50
